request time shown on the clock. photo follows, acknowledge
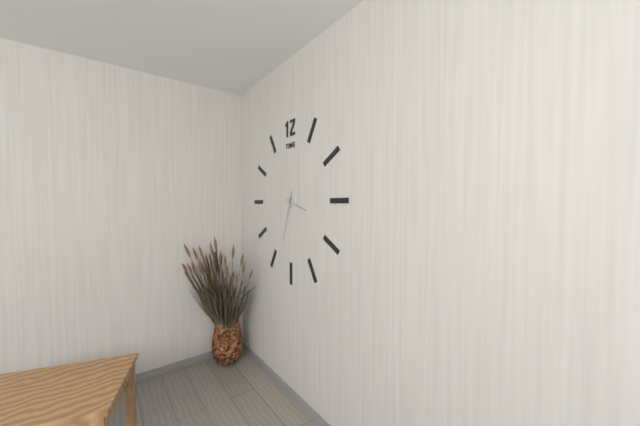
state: 3:33
